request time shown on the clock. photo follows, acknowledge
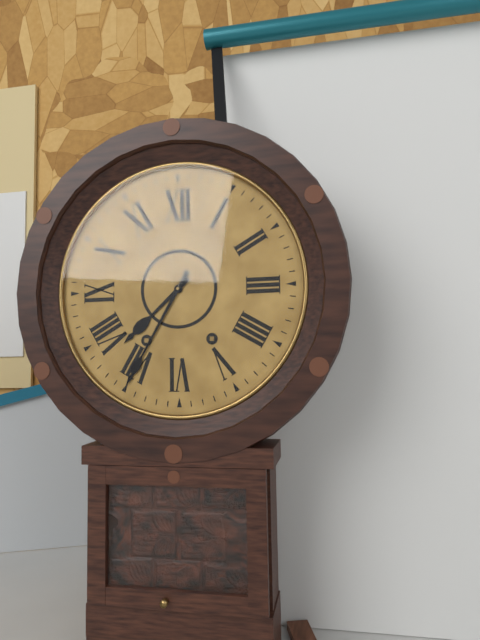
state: 7:35
